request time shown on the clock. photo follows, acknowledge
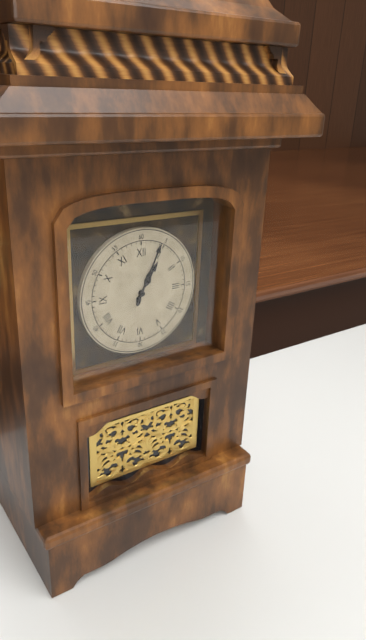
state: 1:04
